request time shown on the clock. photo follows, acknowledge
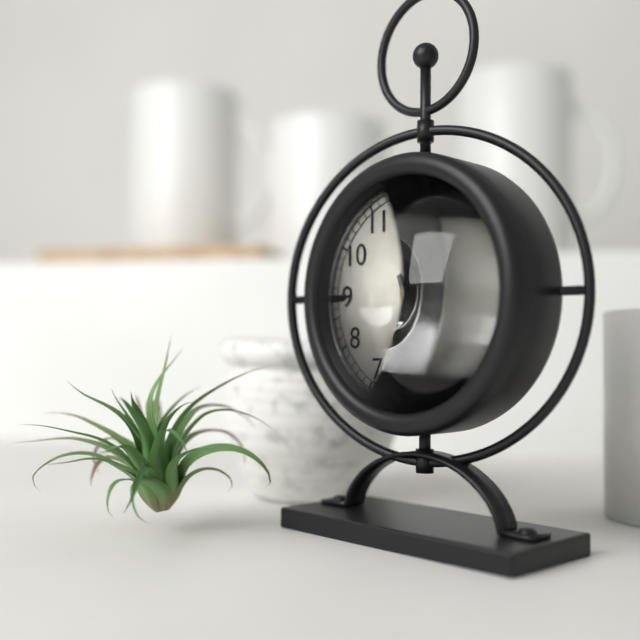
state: 6:26
